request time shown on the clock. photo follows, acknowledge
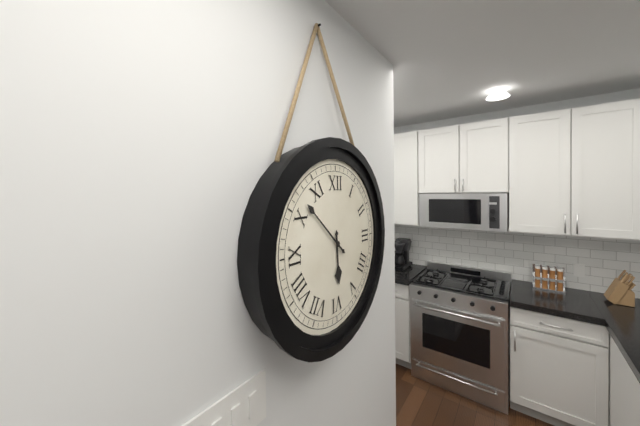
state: 5:52
